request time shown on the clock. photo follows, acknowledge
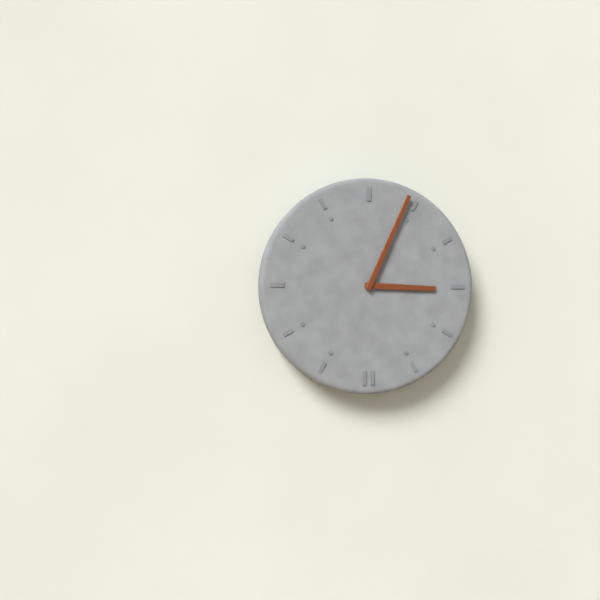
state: 3:04
